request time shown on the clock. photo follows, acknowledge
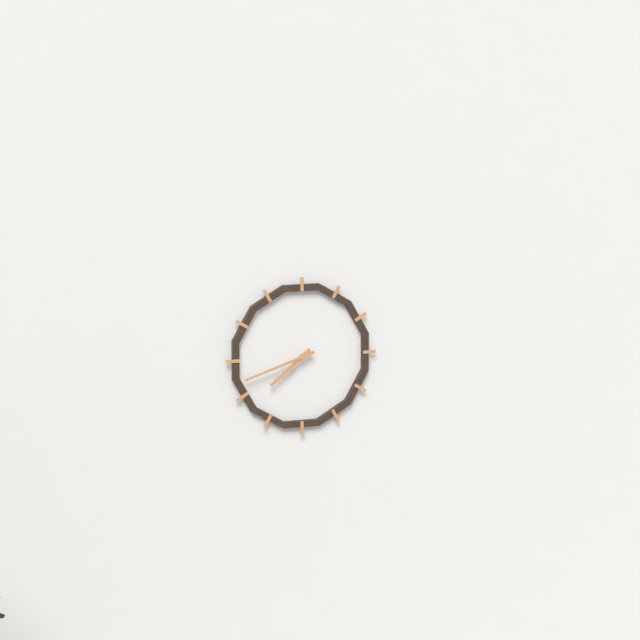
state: 7:42
